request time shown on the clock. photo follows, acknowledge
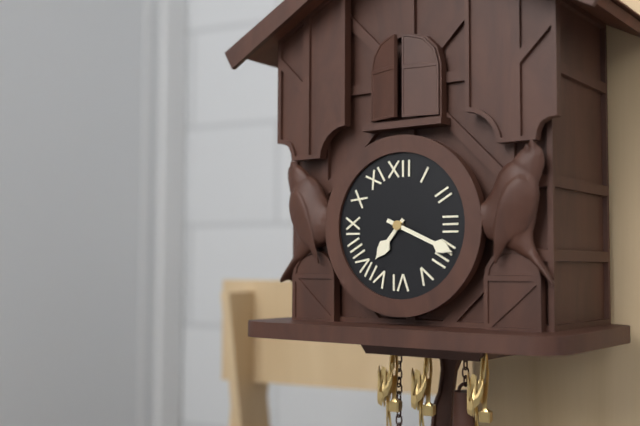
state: 7:19
